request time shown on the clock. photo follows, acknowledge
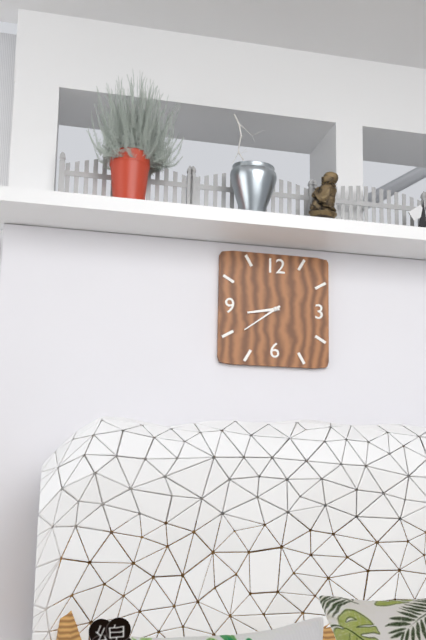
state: 8:39
